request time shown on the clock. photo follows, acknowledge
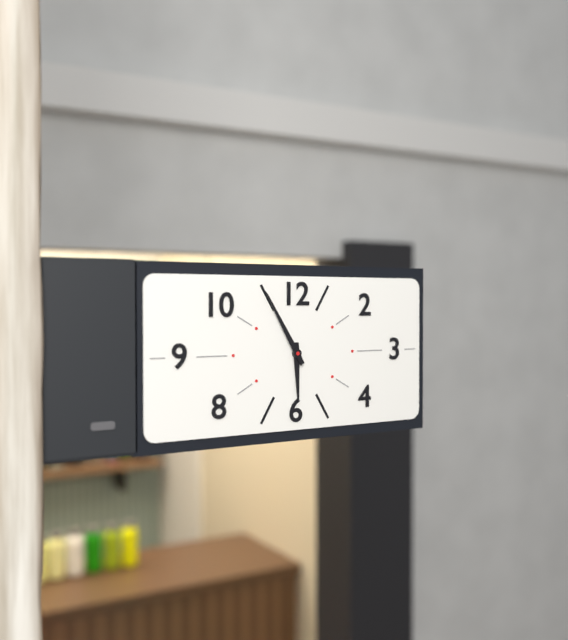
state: 5:55
